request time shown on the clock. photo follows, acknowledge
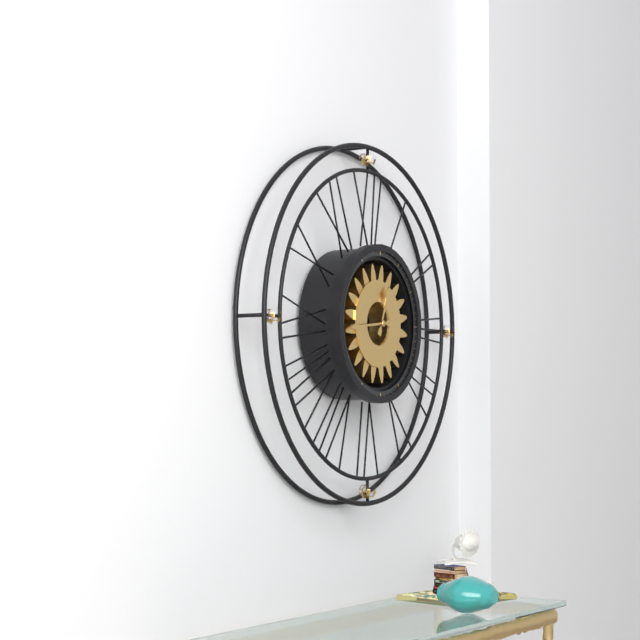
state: 12:44
